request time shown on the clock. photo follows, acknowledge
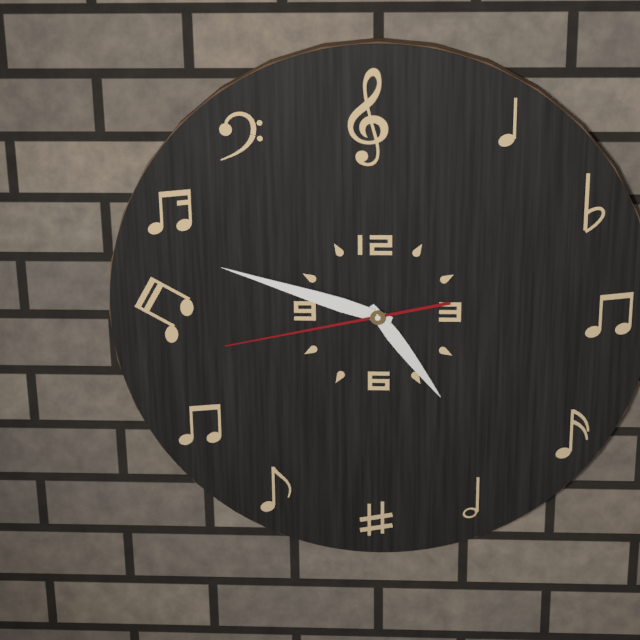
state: 4:48:43
